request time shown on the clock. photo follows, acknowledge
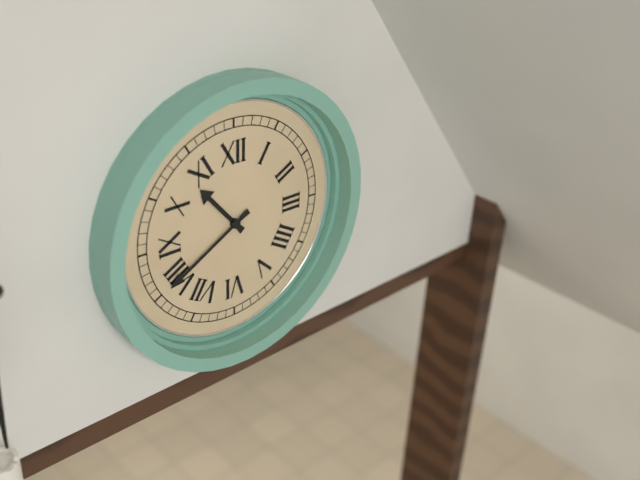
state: 10:40
